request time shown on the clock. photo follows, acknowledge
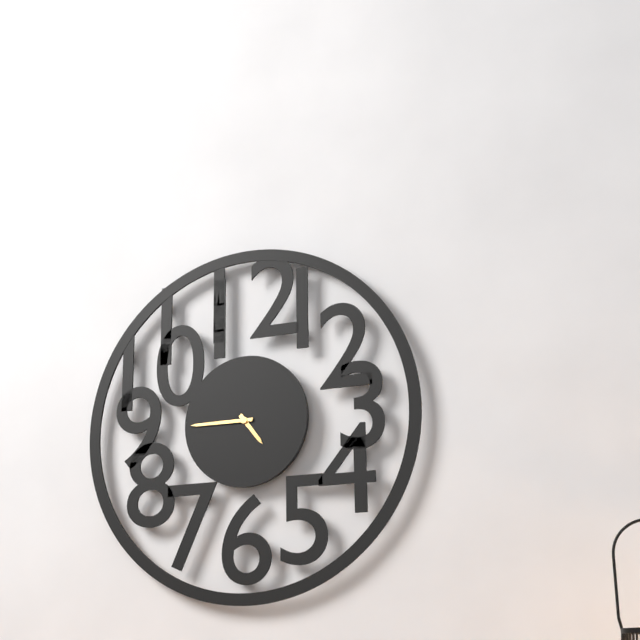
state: 4:45
